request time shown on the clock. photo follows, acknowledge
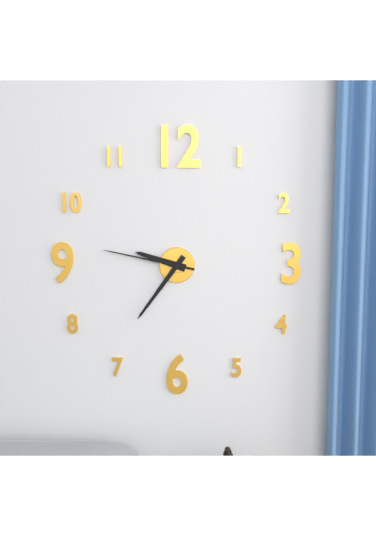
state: 9:36:47
